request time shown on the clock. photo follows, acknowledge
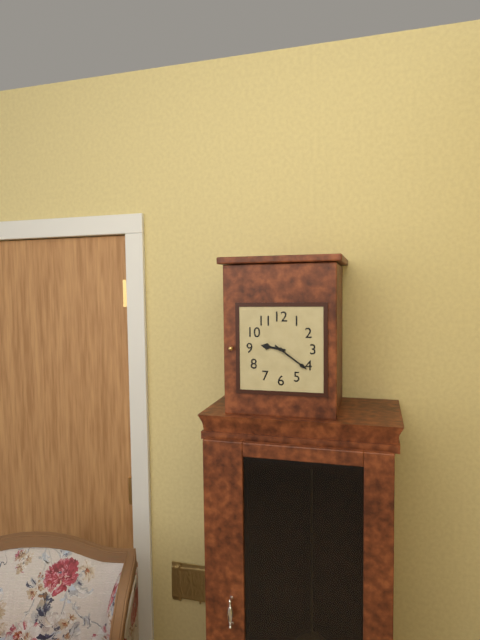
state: 9:21
